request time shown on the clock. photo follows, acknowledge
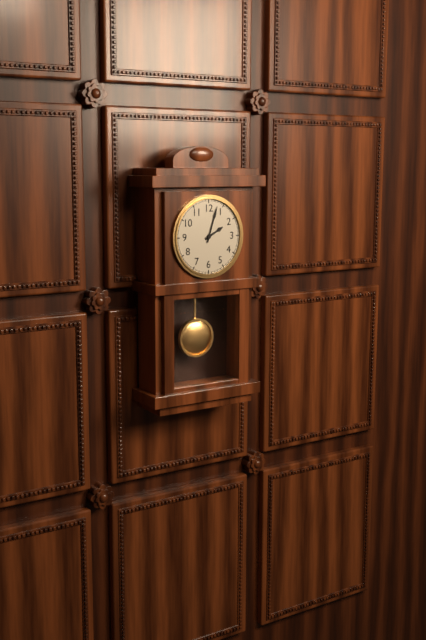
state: 2:03
